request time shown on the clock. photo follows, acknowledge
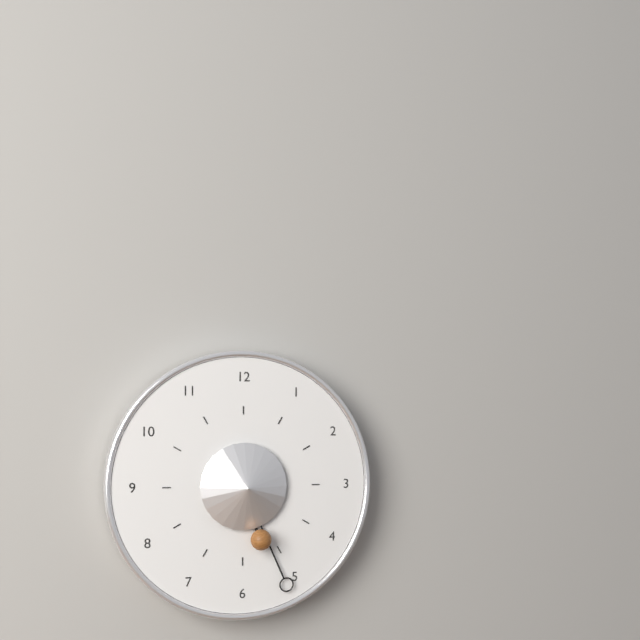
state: 5:26
